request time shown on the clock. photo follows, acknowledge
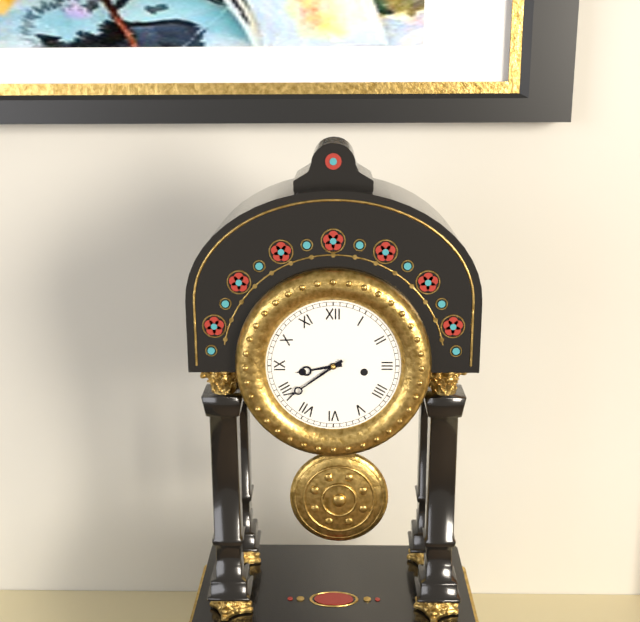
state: 8:39
